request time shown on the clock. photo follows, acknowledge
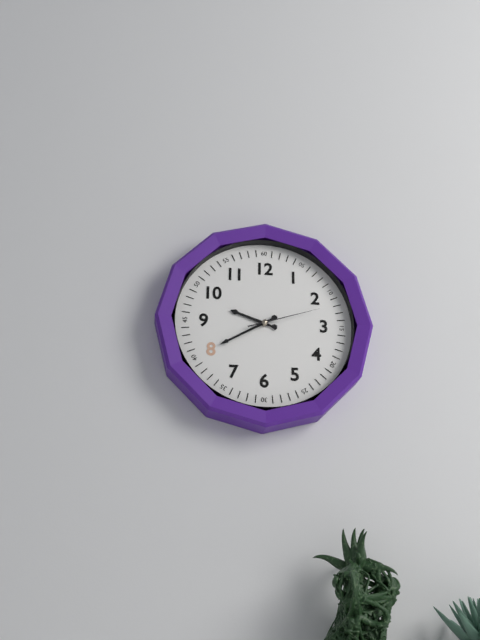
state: 9:40:12
